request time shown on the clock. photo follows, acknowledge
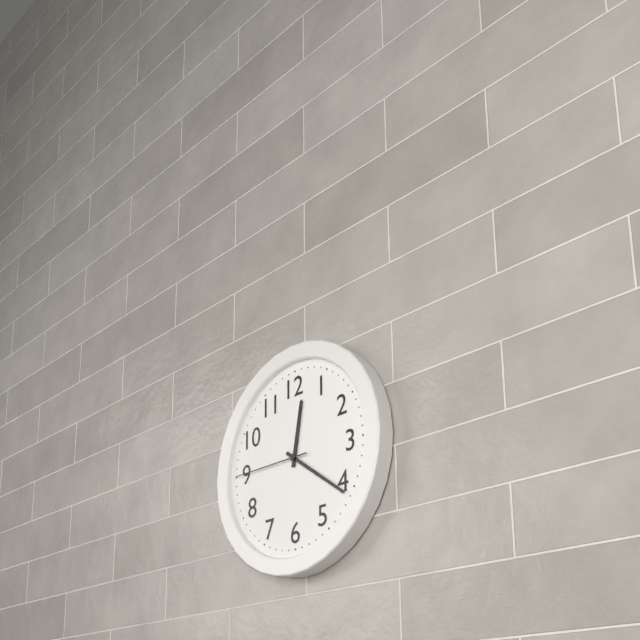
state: 12:21:45
